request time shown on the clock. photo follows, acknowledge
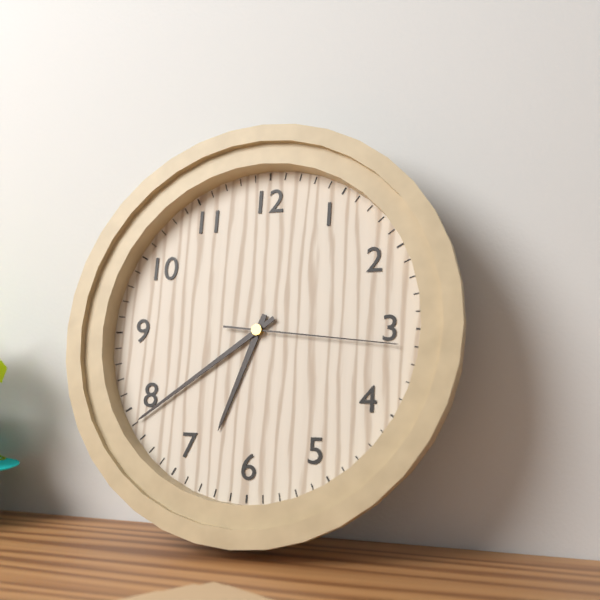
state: 6:39:16
